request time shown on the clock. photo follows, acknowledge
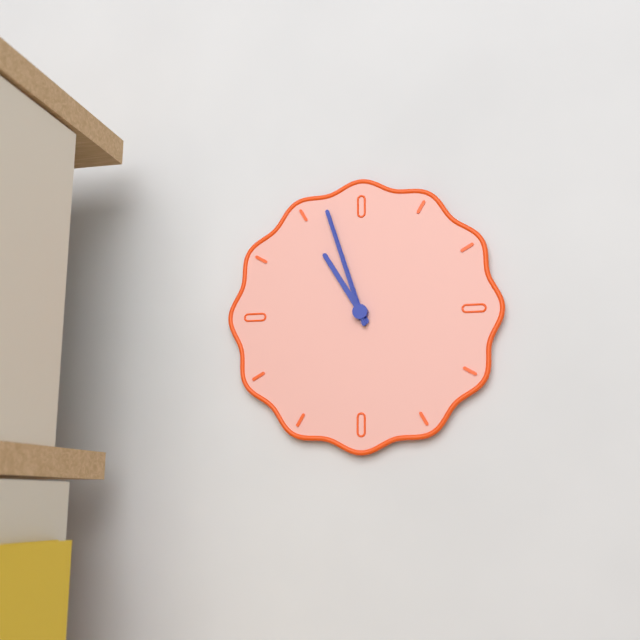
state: 10:57:57
